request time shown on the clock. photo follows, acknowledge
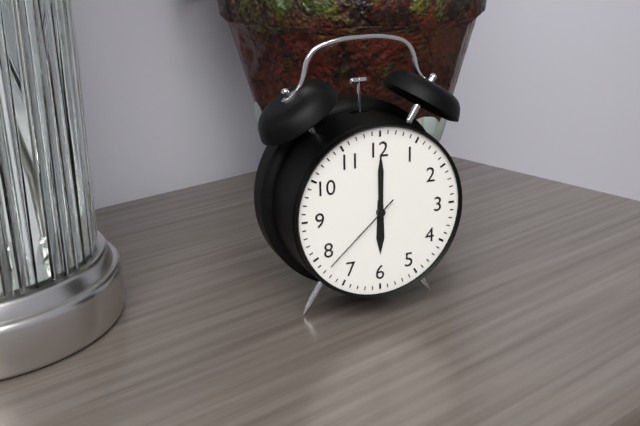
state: 6:00:38
